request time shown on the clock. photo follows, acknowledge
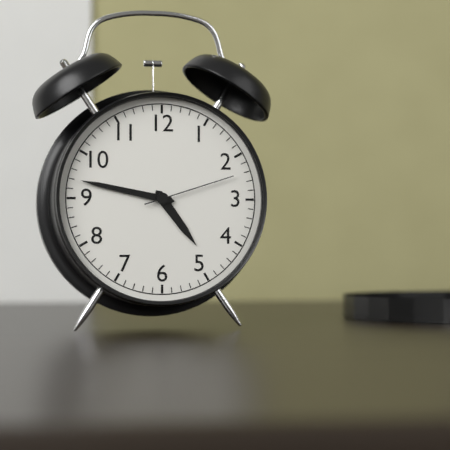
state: 4:47:12
